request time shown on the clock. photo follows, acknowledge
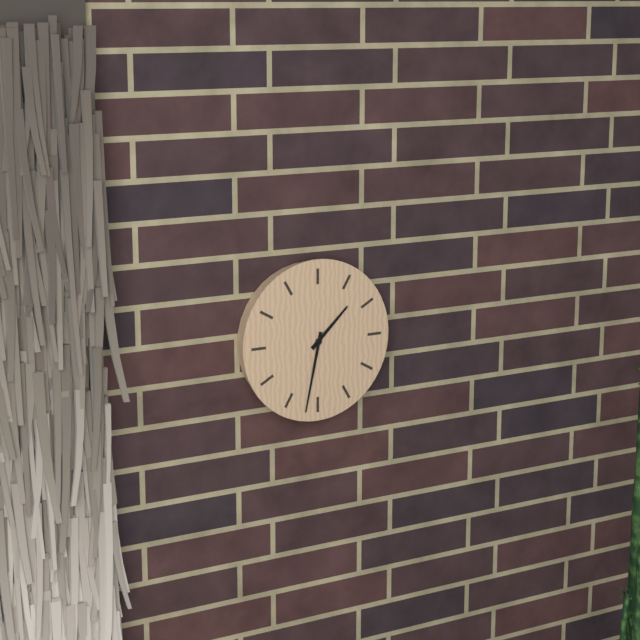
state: 1:32
